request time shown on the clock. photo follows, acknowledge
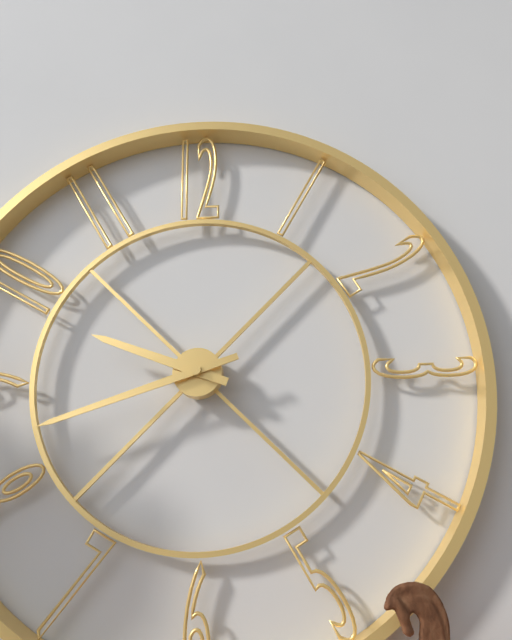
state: 9:42
